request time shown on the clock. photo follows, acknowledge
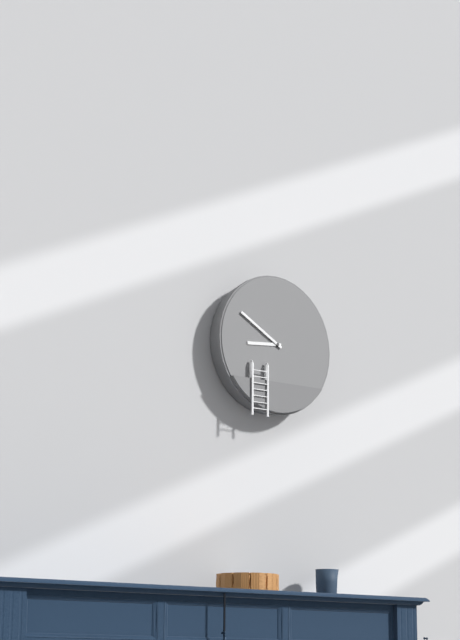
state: 8:50
